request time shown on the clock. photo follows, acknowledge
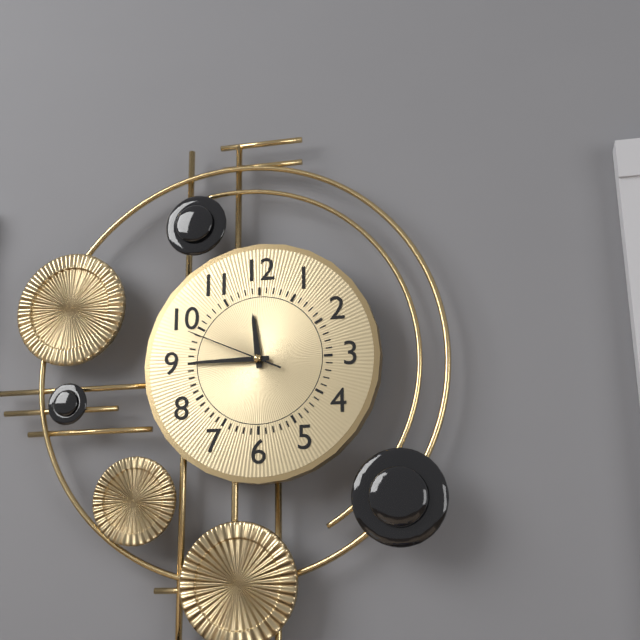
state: 11:45:49
